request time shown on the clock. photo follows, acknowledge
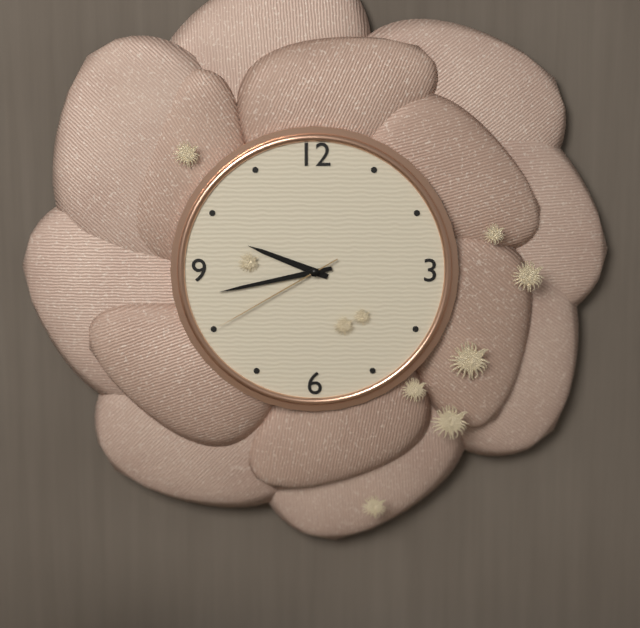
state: 9:43:40
